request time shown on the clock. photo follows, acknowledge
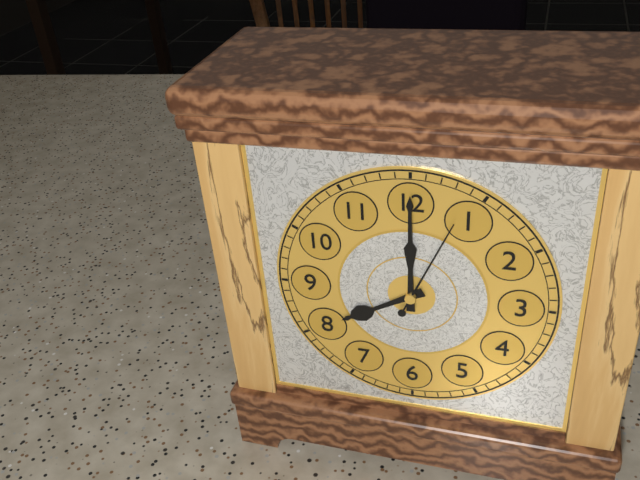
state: 8:00:04
